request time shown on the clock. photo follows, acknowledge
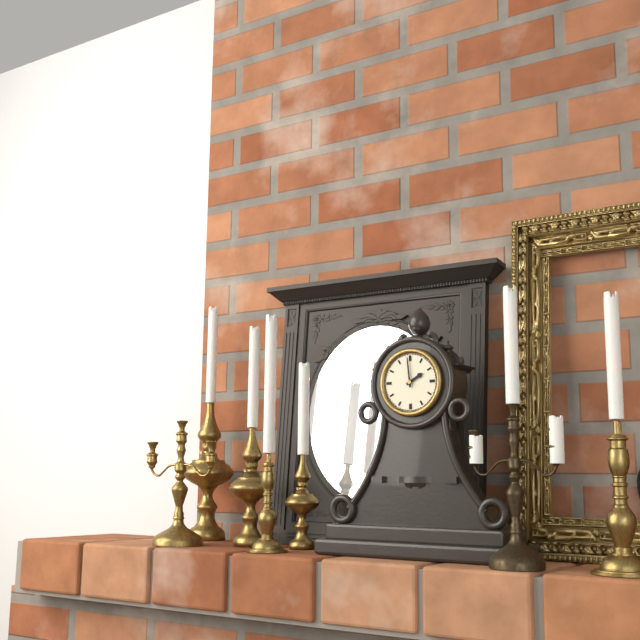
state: 1:59
